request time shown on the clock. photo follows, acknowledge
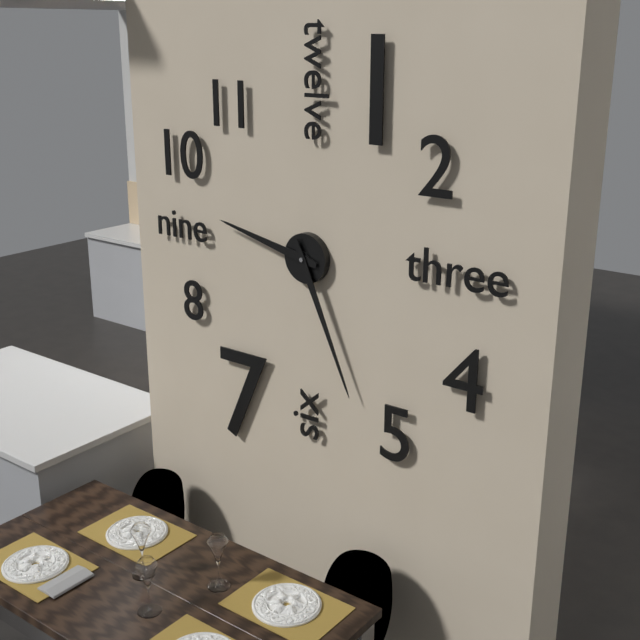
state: 9:26
